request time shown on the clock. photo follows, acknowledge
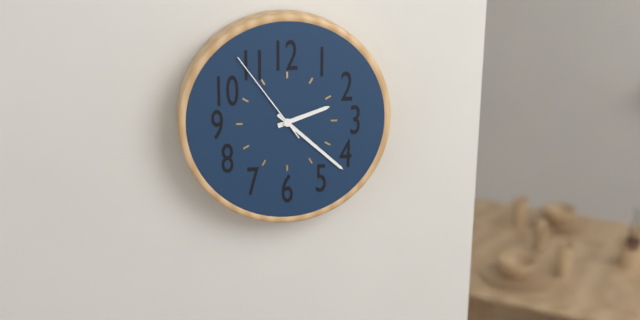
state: 2:22:54
